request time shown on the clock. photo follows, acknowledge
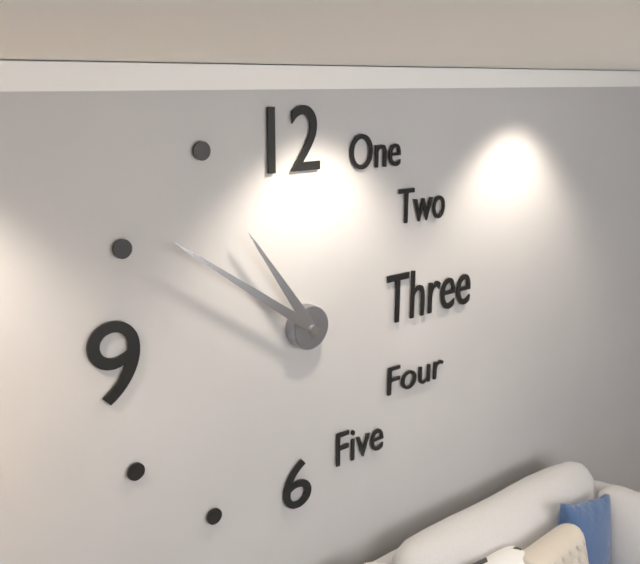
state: 10:51
